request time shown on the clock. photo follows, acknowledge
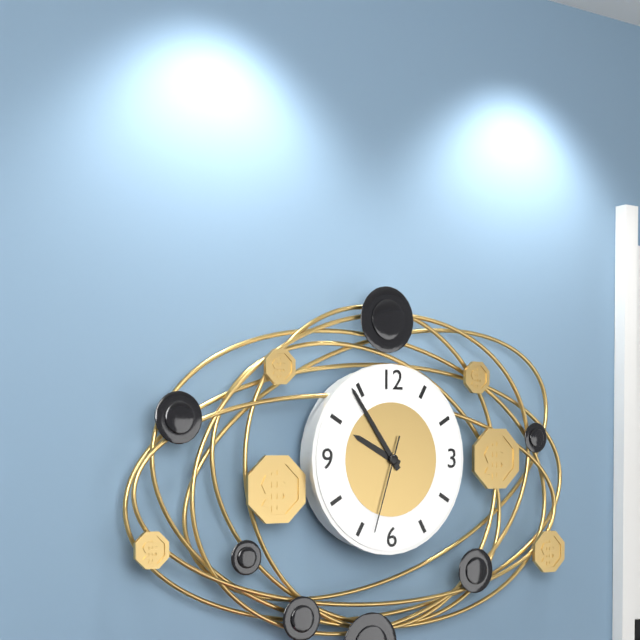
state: 9:54:33
